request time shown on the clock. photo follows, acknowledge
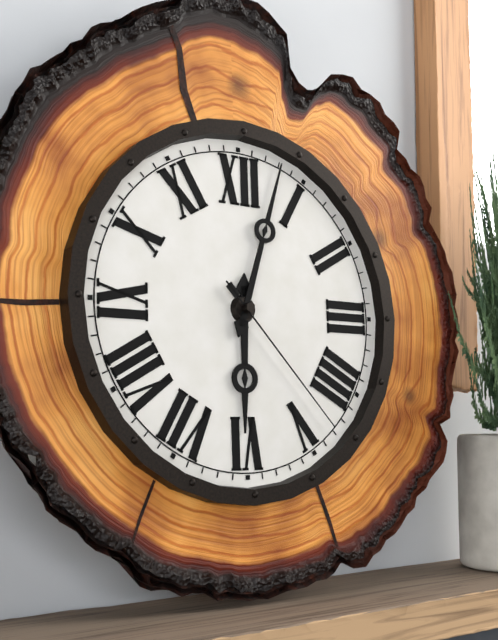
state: 6:03:23
